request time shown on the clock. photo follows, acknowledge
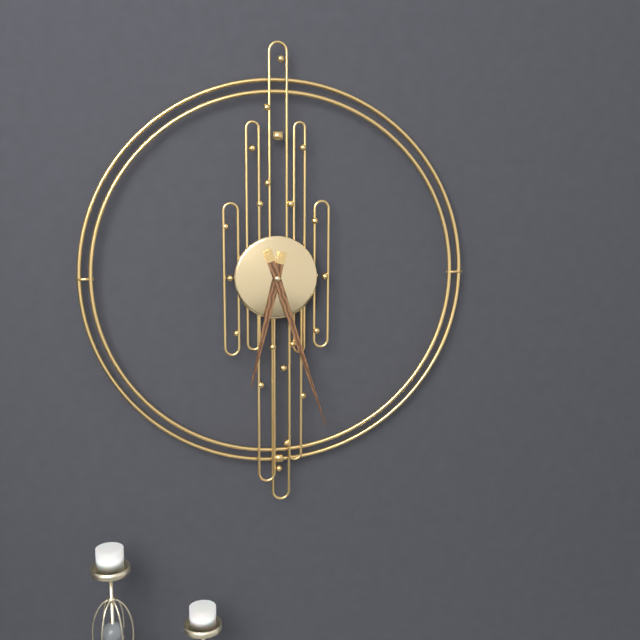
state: 6:27
